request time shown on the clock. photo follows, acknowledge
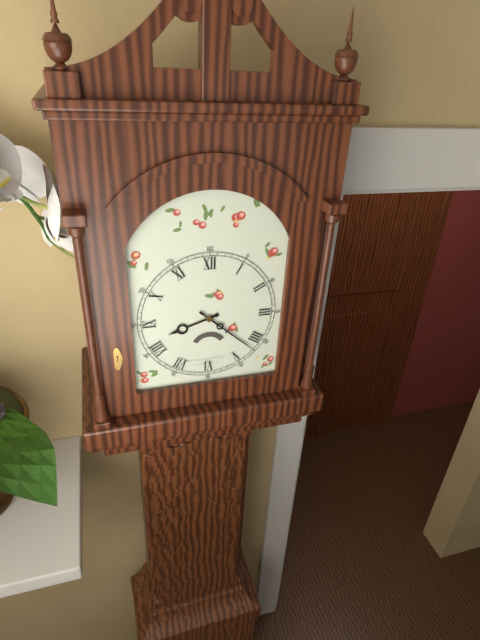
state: 8:22
